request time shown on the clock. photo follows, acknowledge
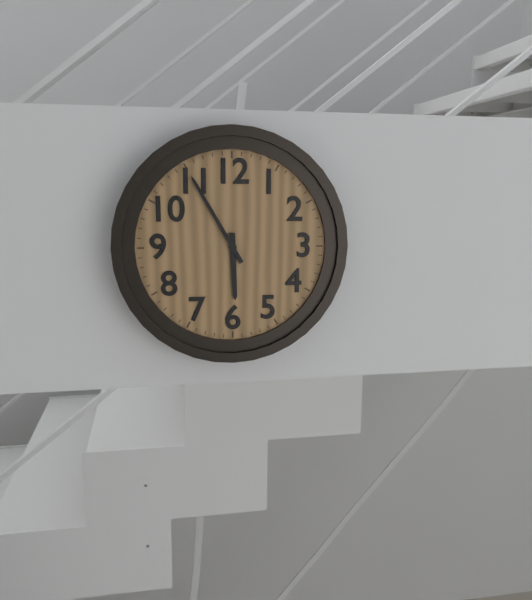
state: 5:55
